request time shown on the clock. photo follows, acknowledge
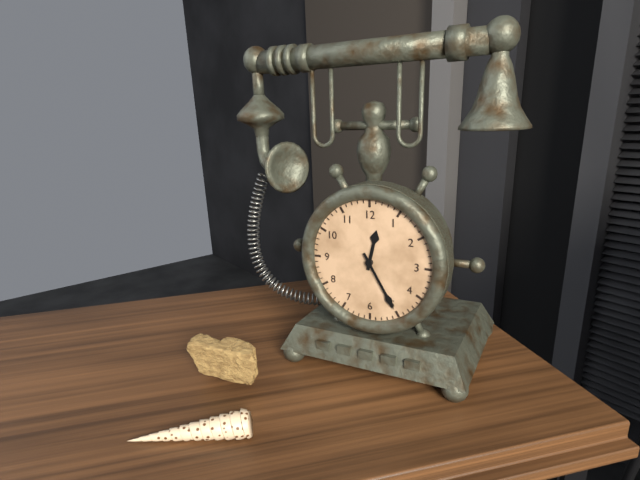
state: 12:25
